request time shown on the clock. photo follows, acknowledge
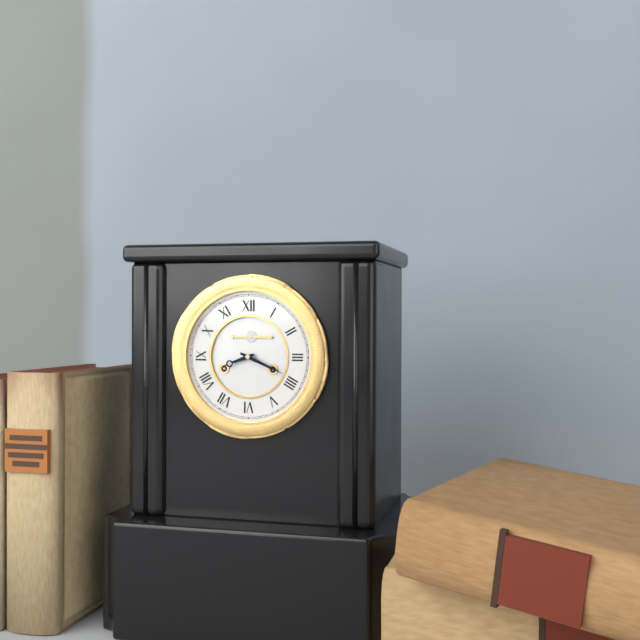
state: 8:19
